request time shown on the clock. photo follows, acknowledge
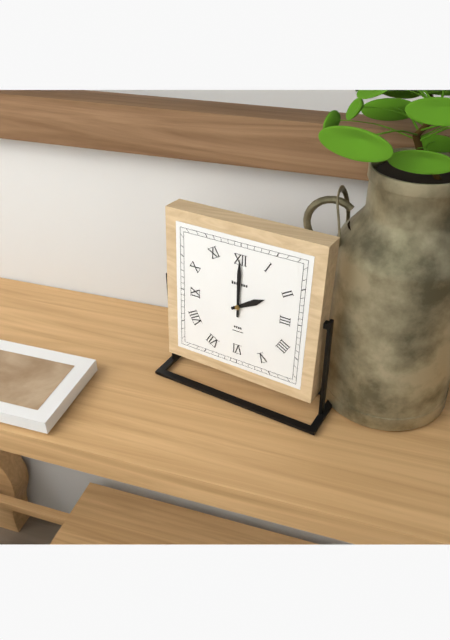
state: 2:00
